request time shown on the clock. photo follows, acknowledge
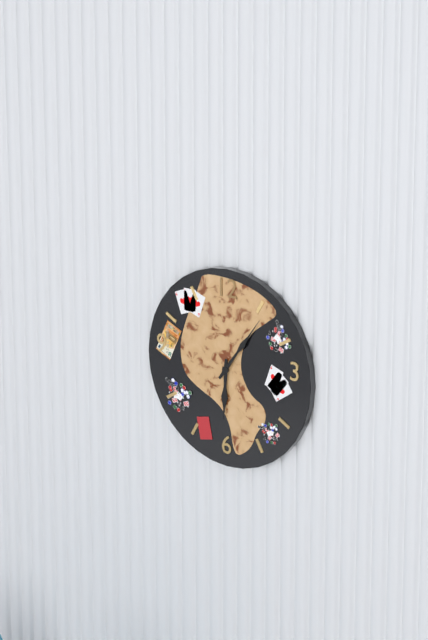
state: 6:06
